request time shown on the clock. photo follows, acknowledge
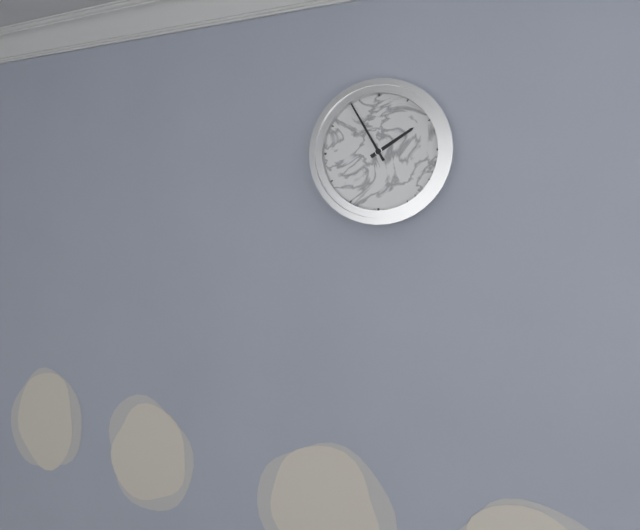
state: 1:55
